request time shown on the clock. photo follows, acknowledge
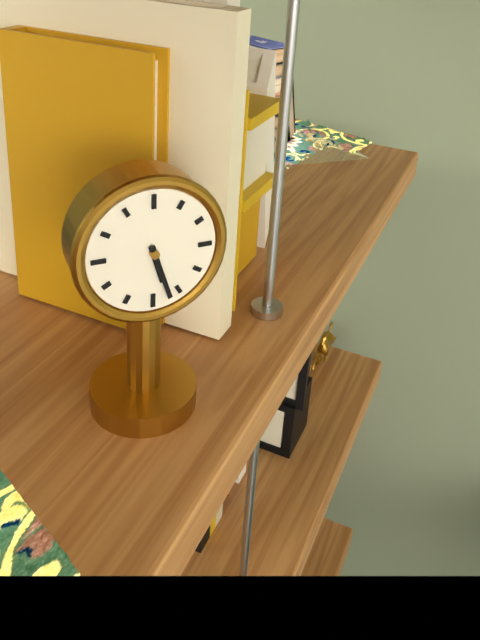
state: 5:27
